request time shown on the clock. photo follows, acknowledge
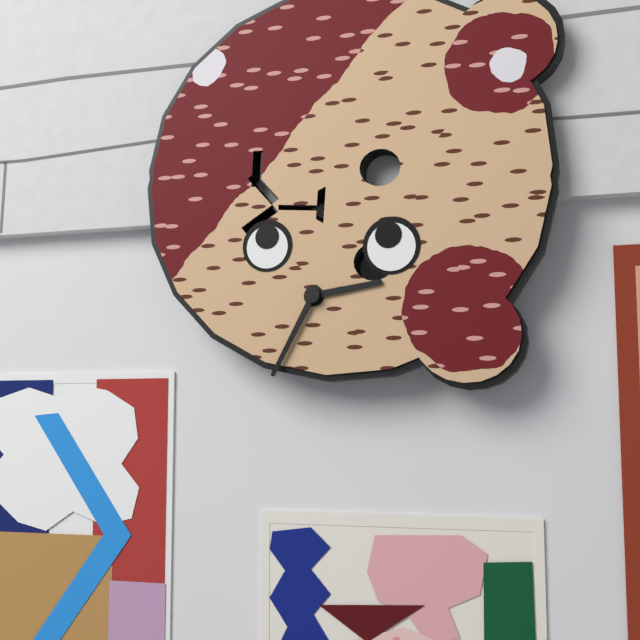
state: 2:34
